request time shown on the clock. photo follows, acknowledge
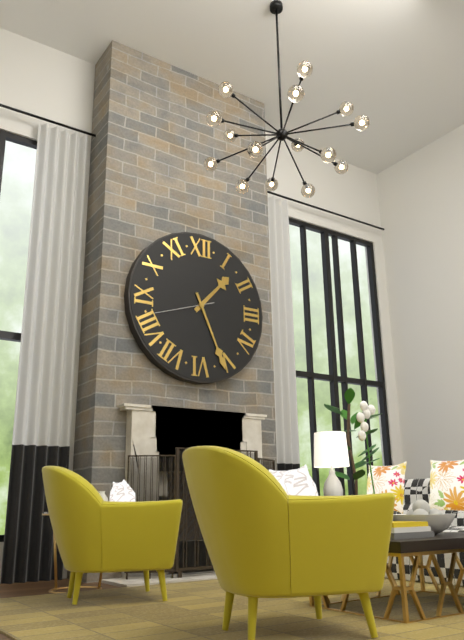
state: 1:26:42
